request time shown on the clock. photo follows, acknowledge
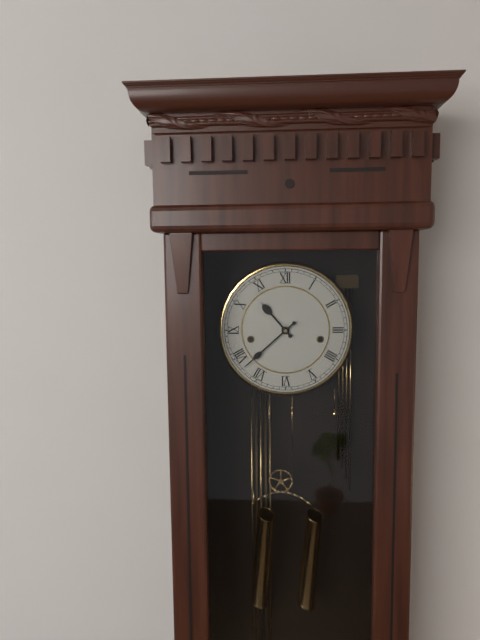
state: 10:38
